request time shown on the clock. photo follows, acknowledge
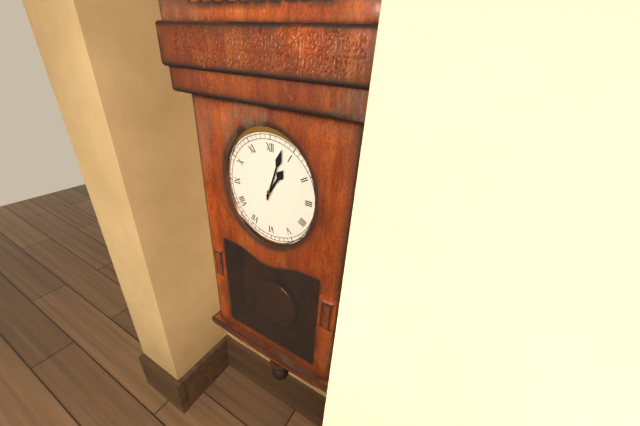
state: 1:03
